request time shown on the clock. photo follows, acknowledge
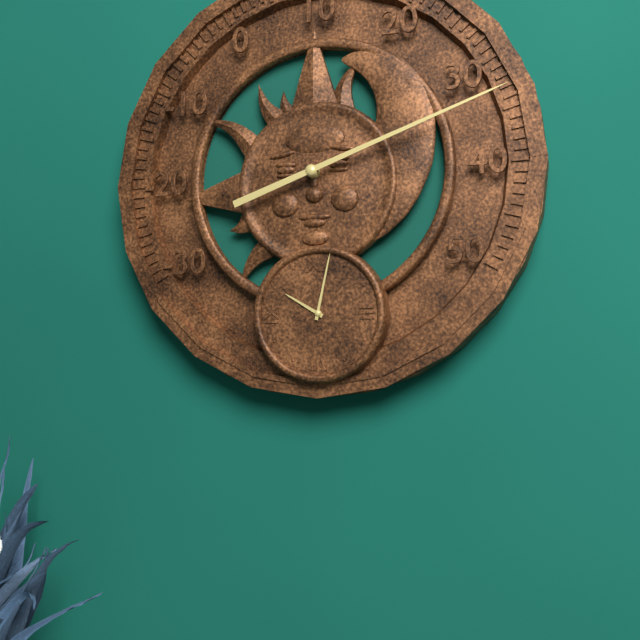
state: 10:02
